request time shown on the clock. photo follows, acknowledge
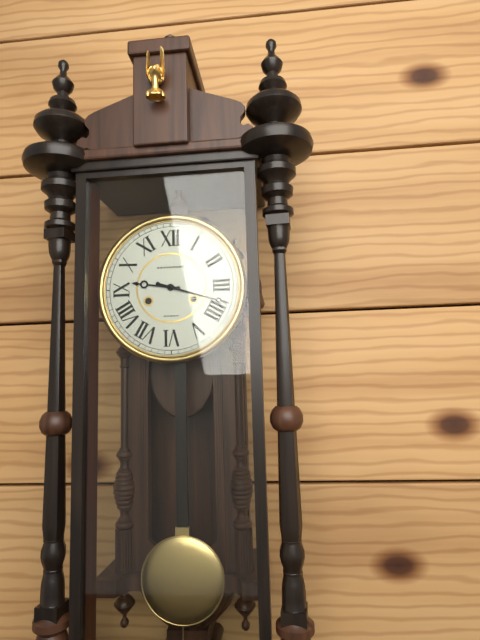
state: 9:18
